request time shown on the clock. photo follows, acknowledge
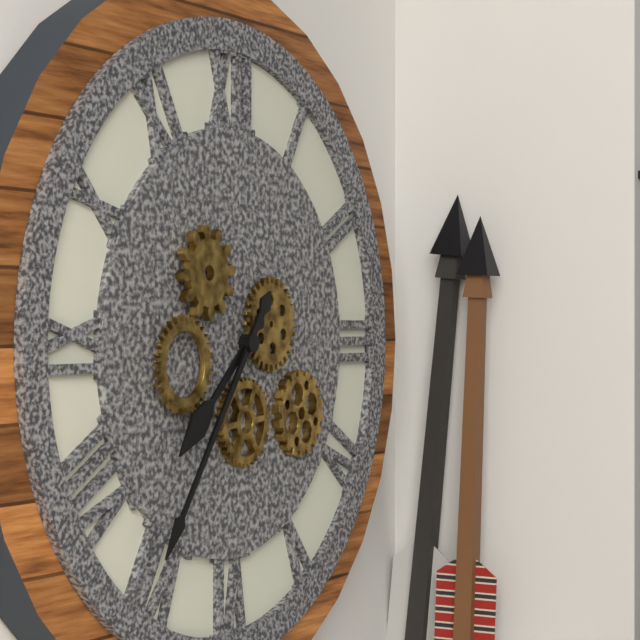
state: 7:36
